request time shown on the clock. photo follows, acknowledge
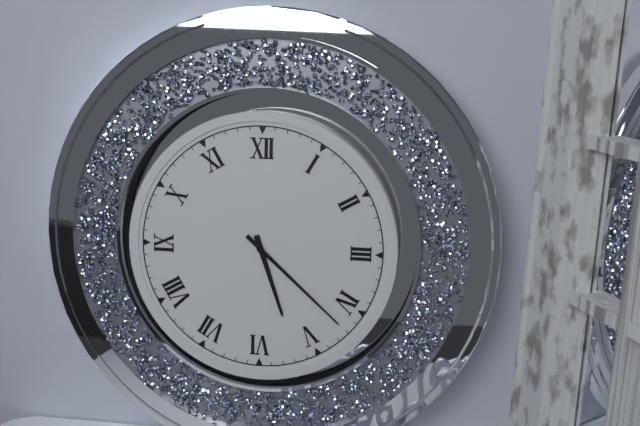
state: 5:22
